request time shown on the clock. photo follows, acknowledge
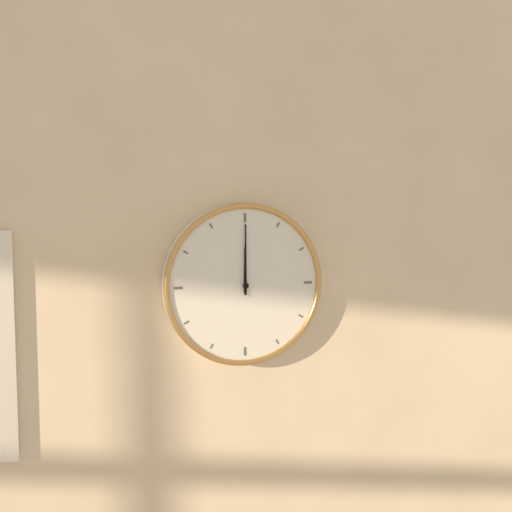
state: 12:00
